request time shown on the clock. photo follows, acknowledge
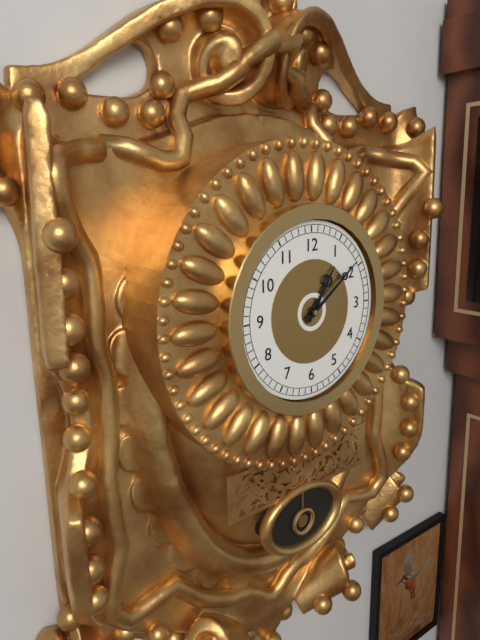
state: 1:09
